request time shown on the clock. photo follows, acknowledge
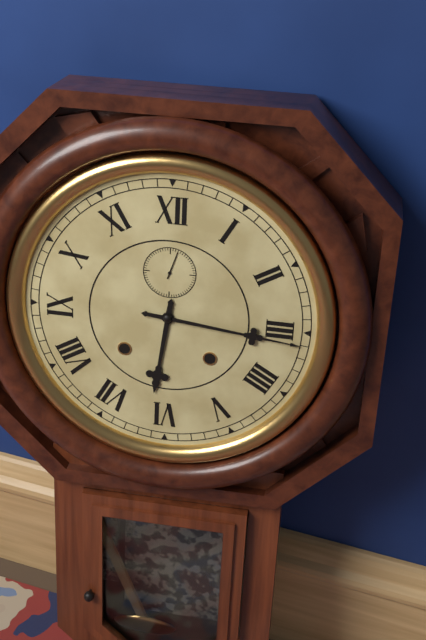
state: 6:16
